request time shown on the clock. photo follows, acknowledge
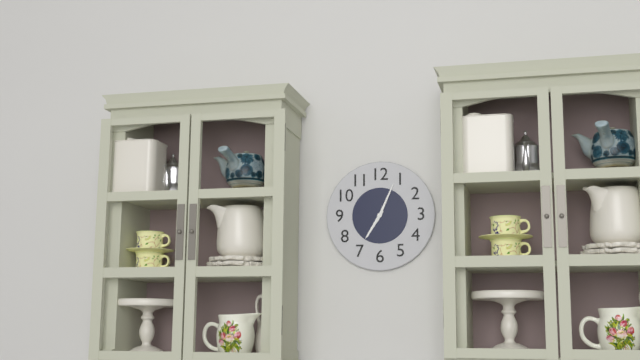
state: 7:04
